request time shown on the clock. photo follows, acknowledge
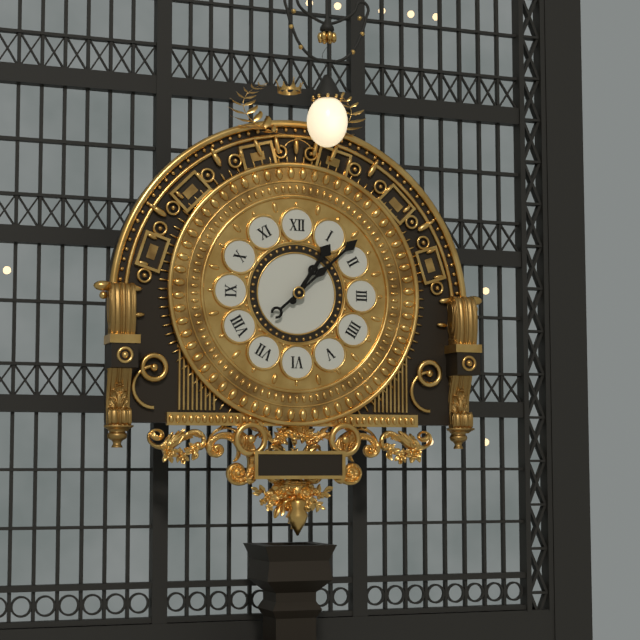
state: 1:08
